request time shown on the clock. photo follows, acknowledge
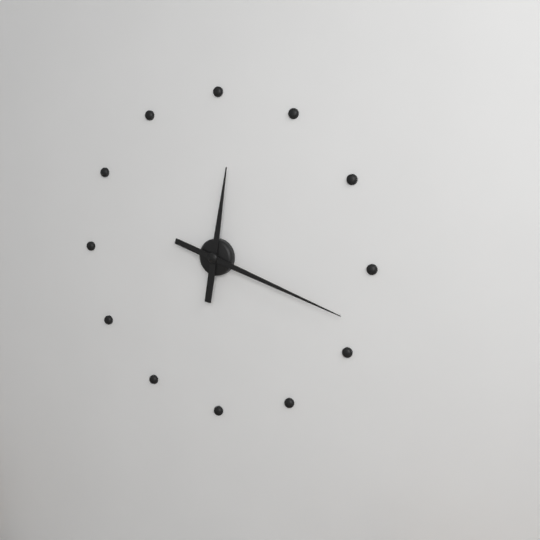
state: 12:18
